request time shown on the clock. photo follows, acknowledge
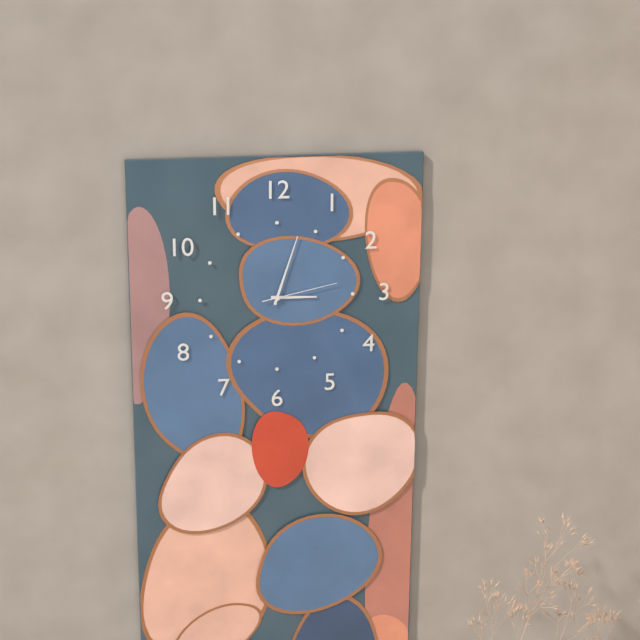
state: 3:03:13
